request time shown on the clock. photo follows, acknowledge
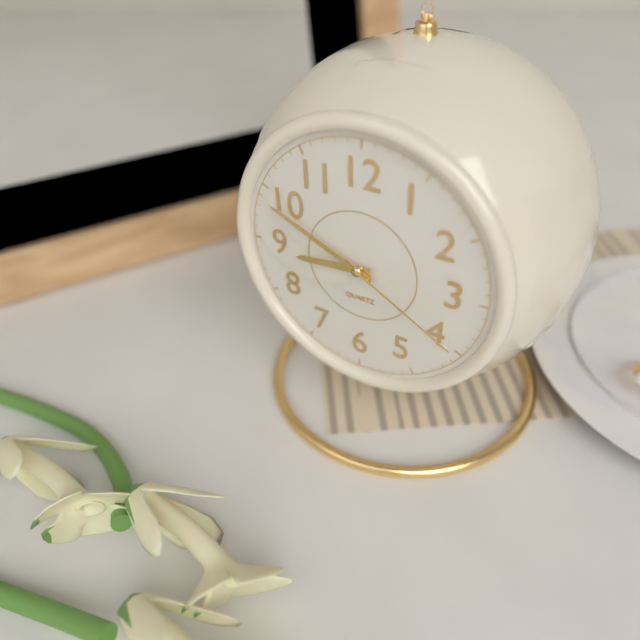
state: 8:49:20
